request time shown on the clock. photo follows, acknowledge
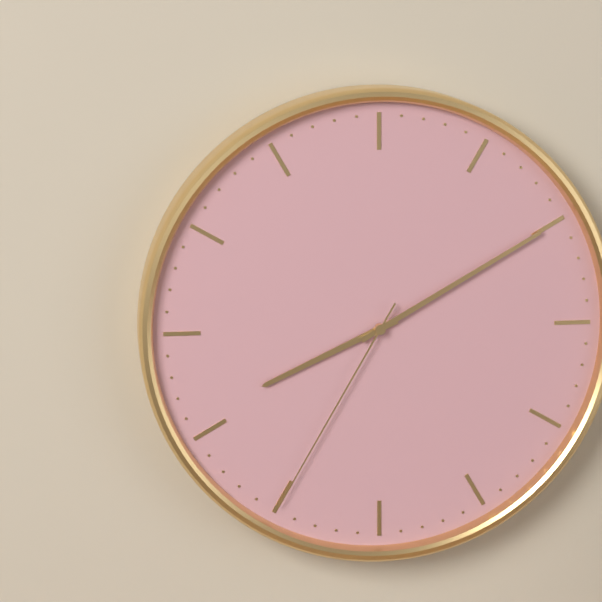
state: 8:10:35
